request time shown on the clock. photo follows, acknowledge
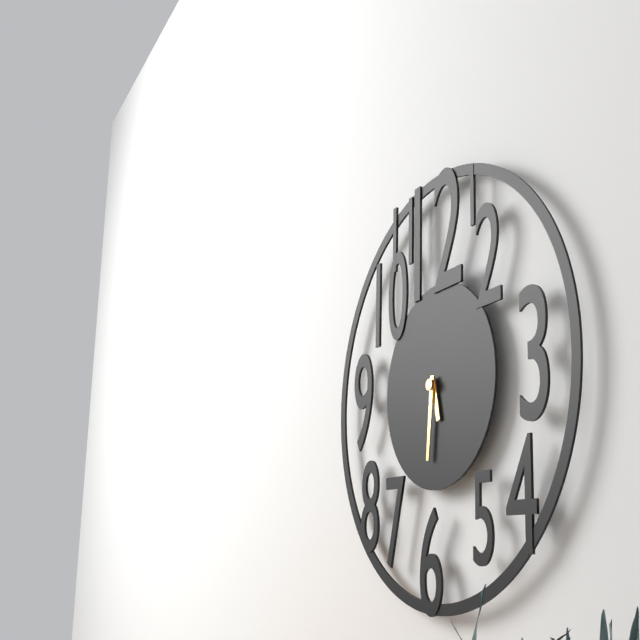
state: 5:31
